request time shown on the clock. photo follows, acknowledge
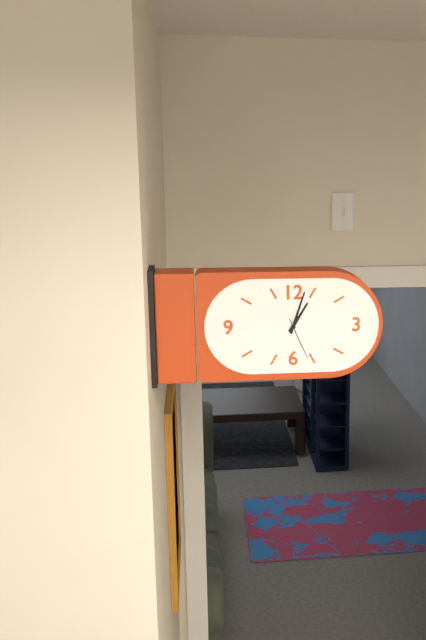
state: 1:03
